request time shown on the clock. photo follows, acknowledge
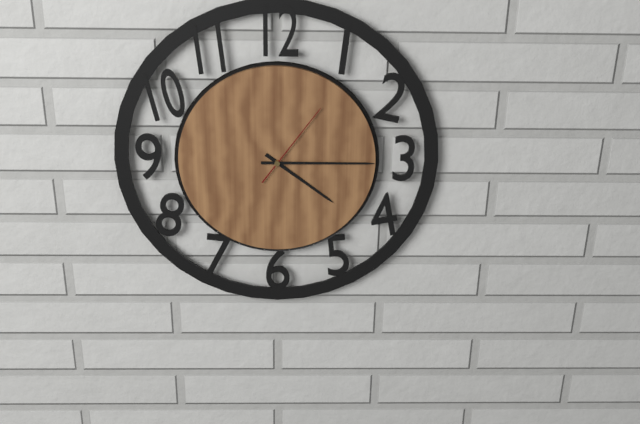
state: 4:15:06
